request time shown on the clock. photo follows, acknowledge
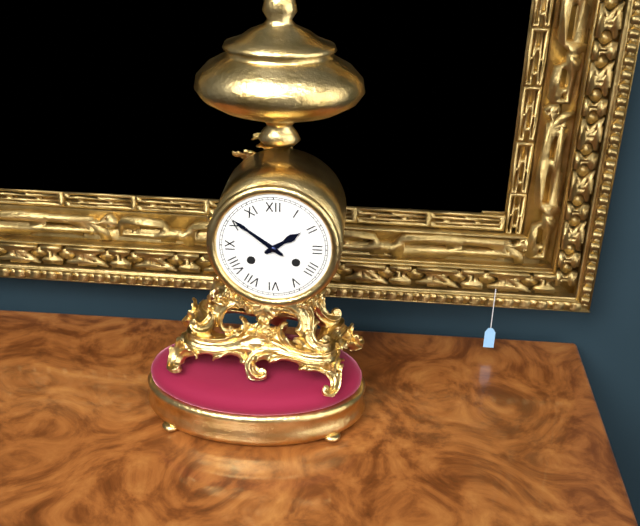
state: 1:51
